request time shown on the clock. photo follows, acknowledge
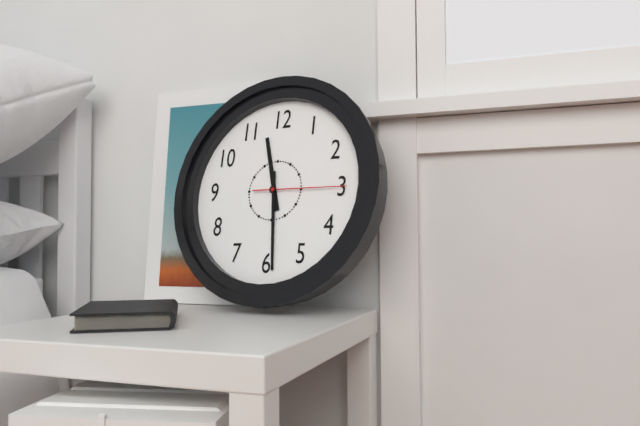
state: 11:29:15
